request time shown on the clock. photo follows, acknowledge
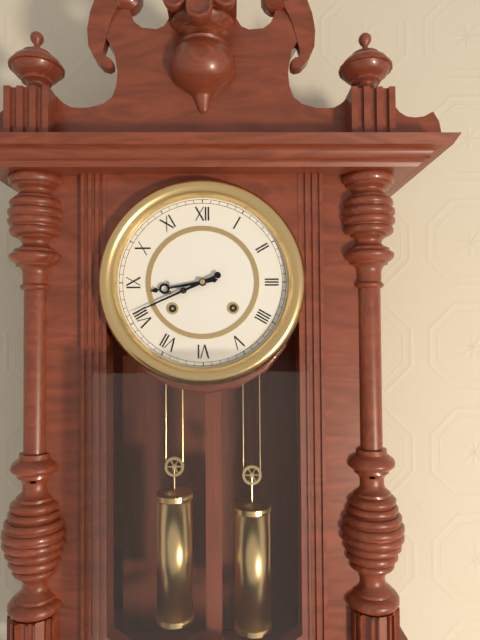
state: 8:41
